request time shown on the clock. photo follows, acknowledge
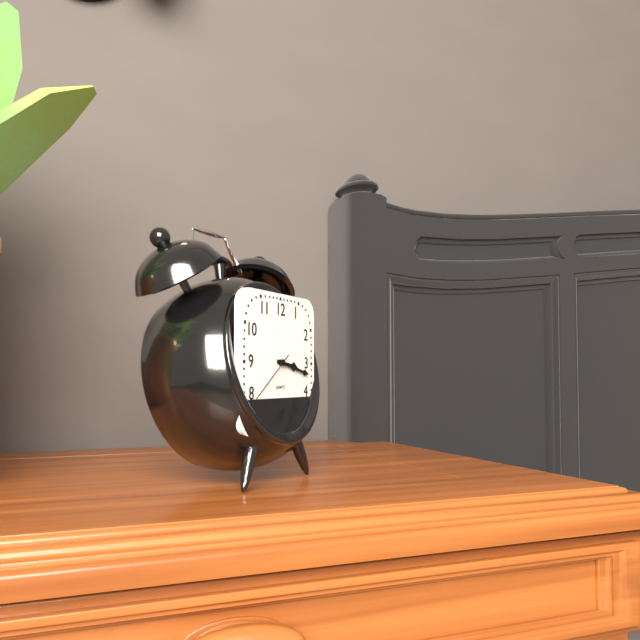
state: 3:17:39
